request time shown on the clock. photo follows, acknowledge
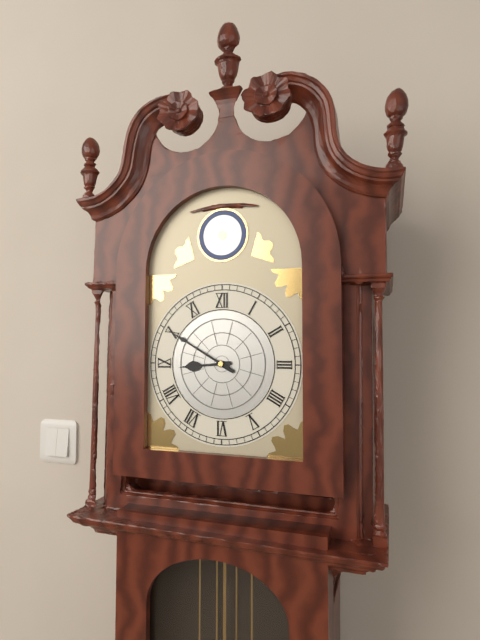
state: 8:50
